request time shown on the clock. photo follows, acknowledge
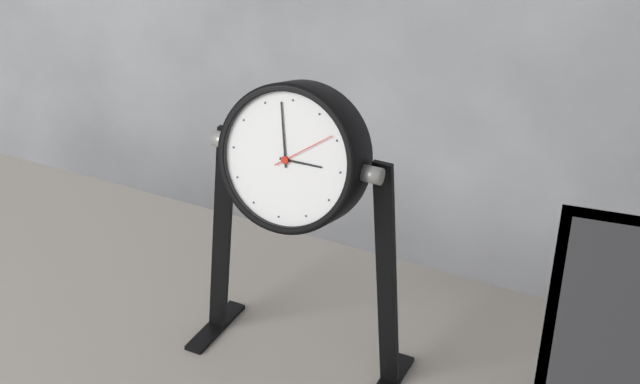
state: 2:58:09
